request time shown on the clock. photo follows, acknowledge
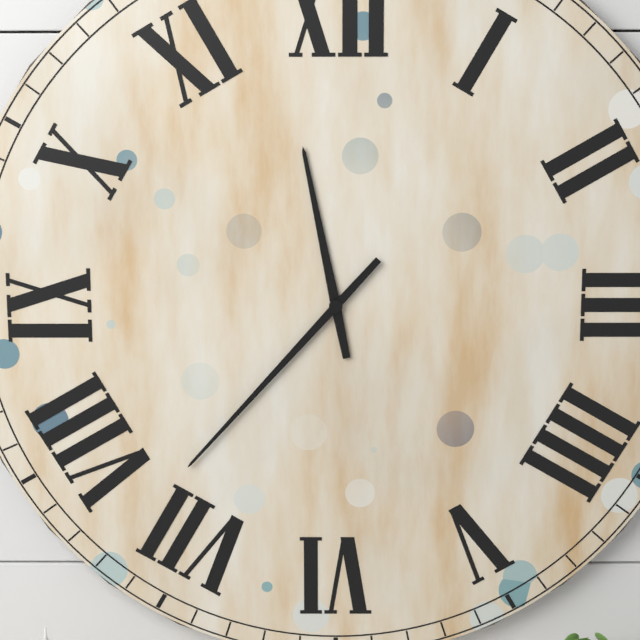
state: 11:37
